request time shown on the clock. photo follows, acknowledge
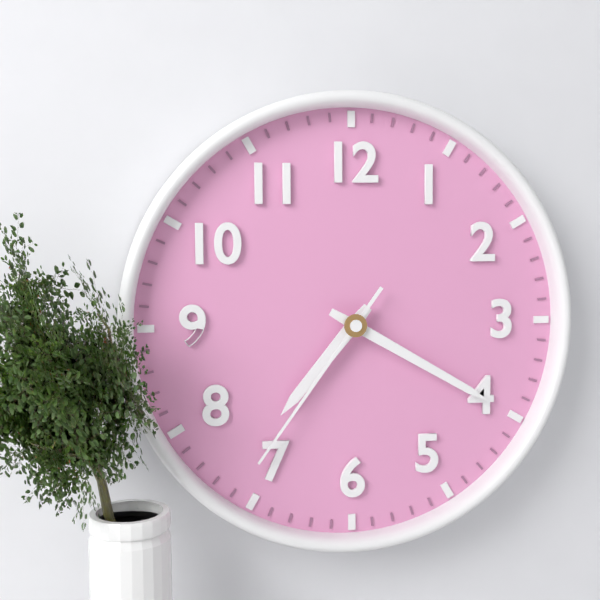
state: 7:20:36
